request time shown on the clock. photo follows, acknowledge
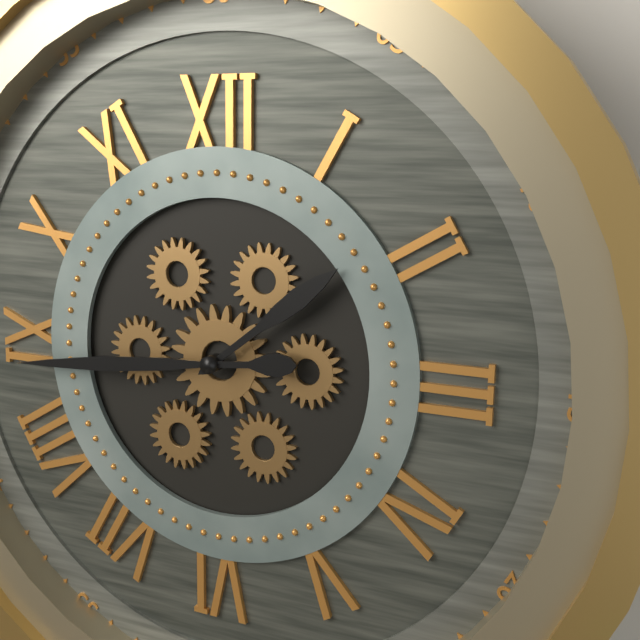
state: 1:44
